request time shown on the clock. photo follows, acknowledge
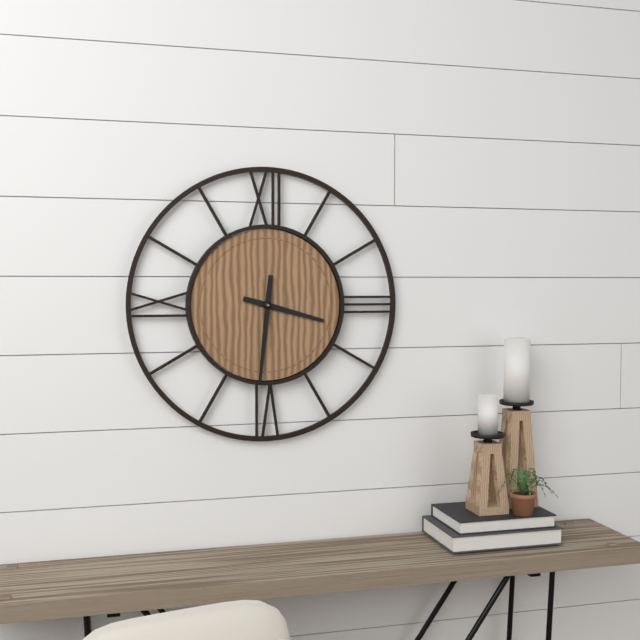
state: 3:31
